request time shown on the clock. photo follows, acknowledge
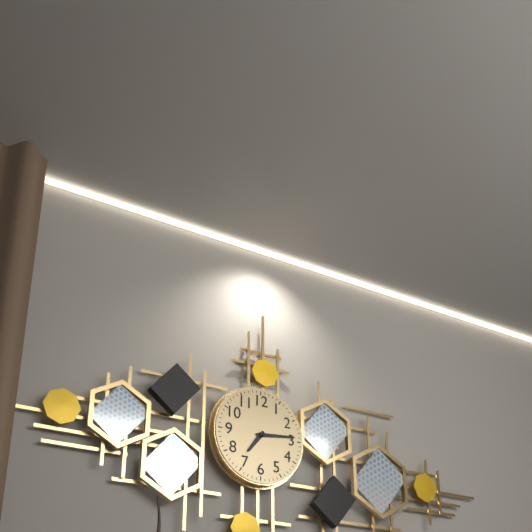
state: 7:14
